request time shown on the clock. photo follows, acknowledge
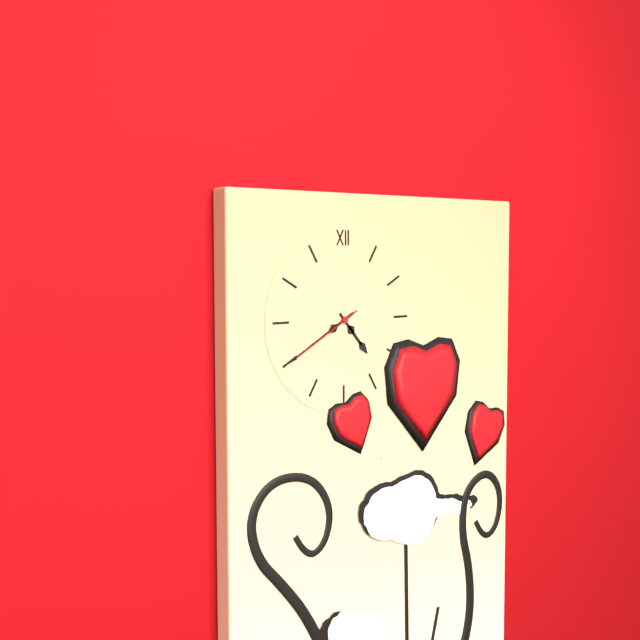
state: 4:40:40
